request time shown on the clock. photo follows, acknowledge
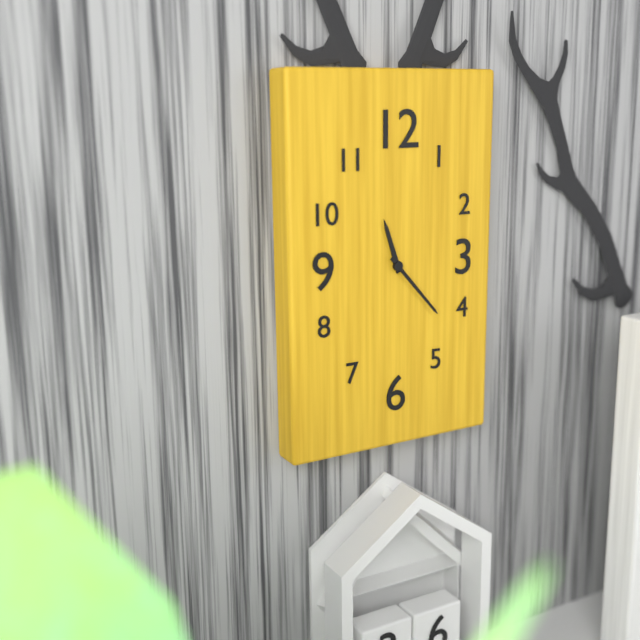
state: 11:23
